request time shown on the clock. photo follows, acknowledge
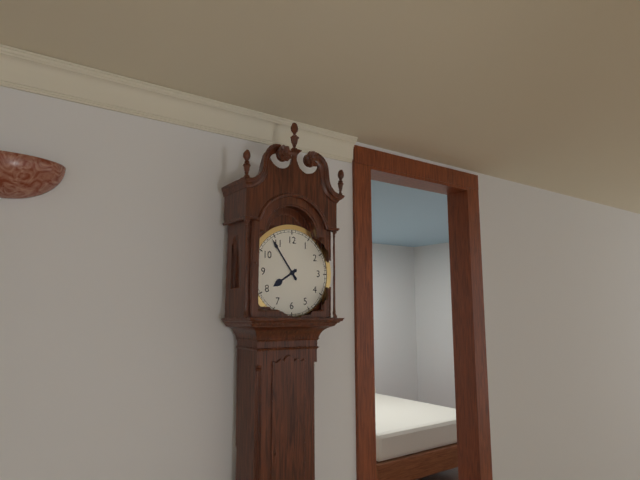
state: 7:54
